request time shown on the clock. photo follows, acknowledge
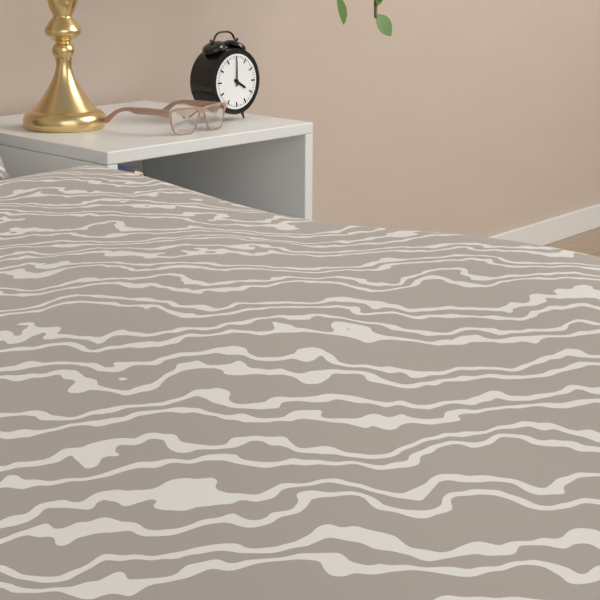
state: 4:00
